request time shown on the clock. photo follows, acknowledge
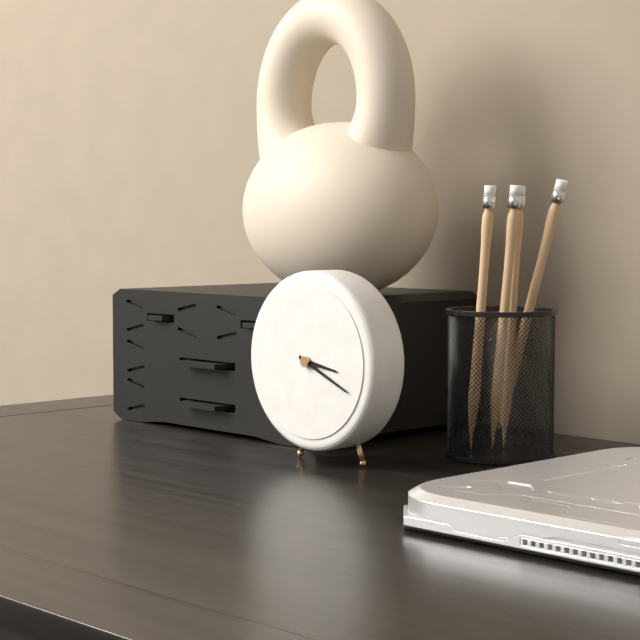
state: 3:19
